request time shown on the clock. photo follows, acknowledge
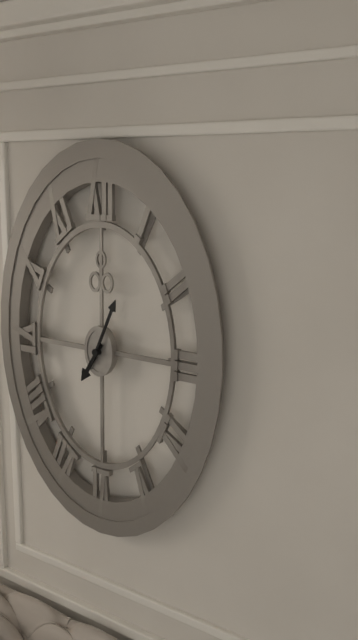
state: 7:04
